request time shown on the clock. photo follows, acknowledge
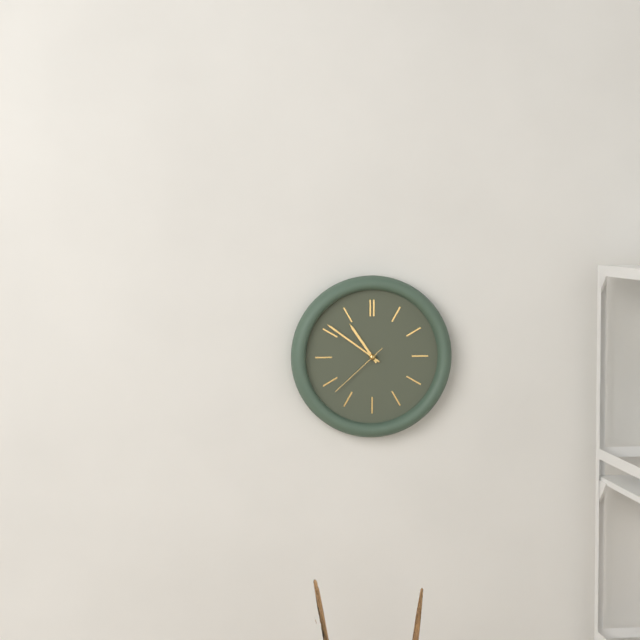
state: 10:51:38
